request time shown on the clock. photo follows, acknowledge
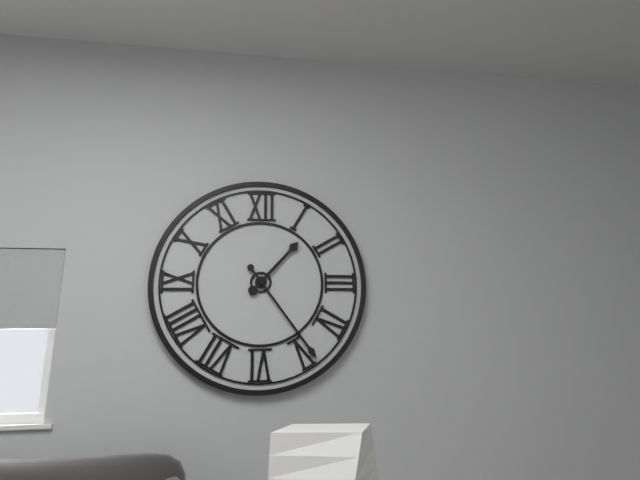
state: 1:24
